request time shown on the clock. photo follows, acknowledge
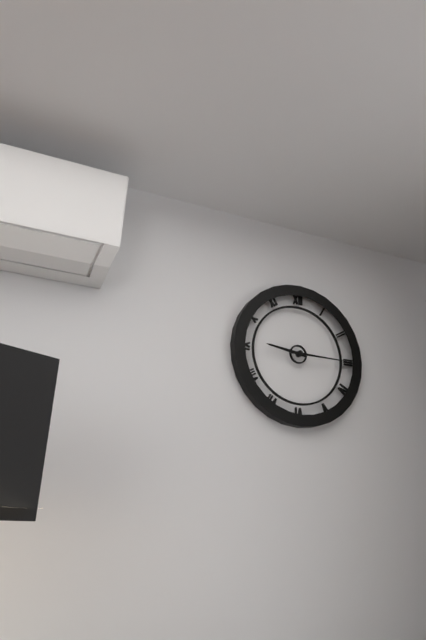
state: 9:15
